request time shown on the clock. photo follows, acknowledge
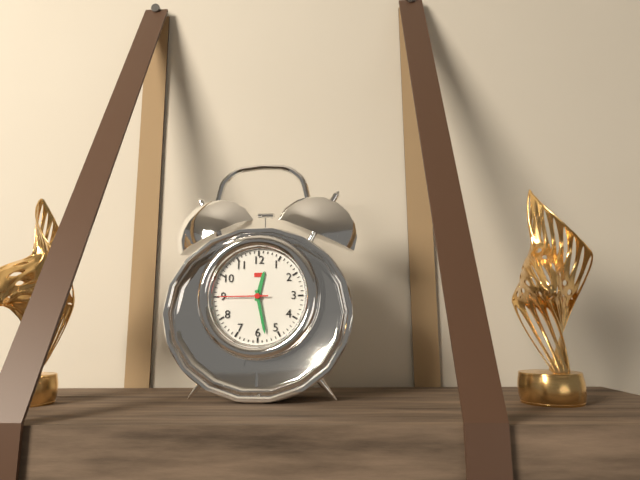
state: 12:28:45
